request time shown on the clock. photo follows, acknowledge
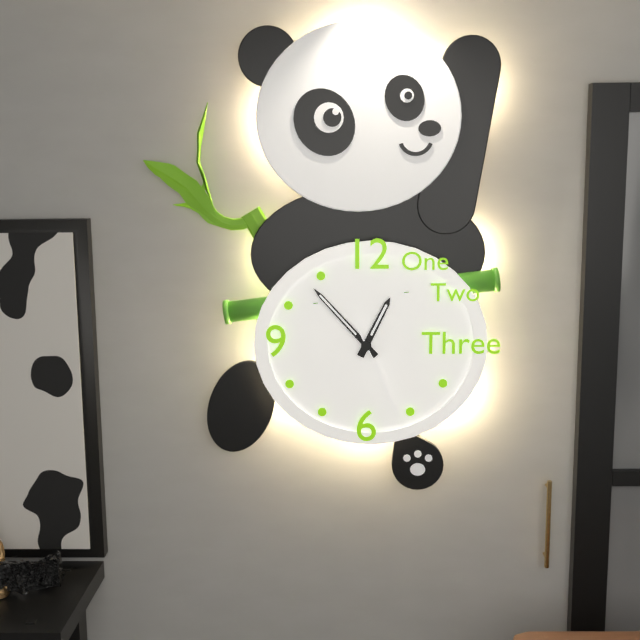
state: 12:53:26
